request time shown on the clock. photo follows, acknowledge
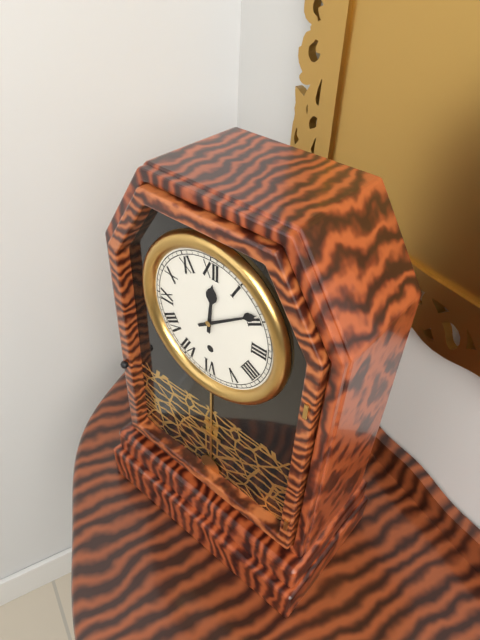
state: 12:09
